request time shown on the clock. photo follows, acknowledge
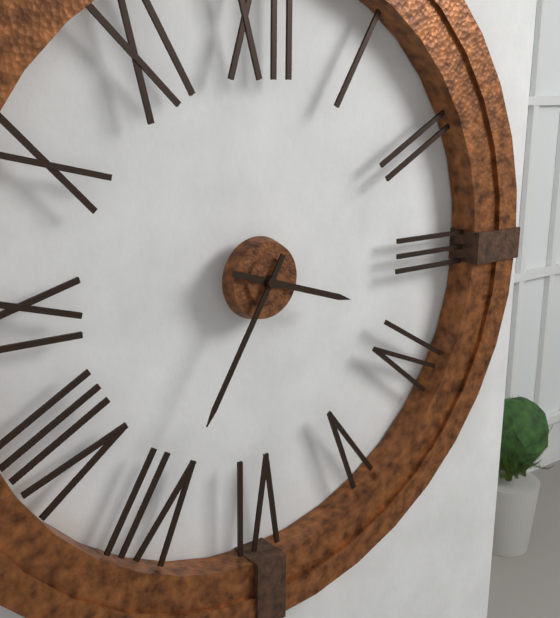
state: 3:35
